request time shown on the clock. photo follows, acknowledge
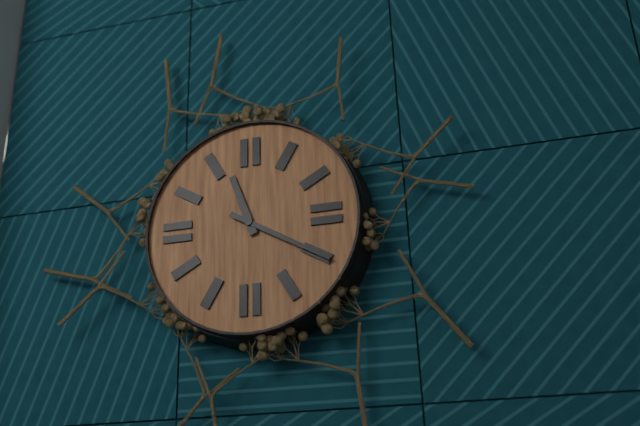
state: 11:20
